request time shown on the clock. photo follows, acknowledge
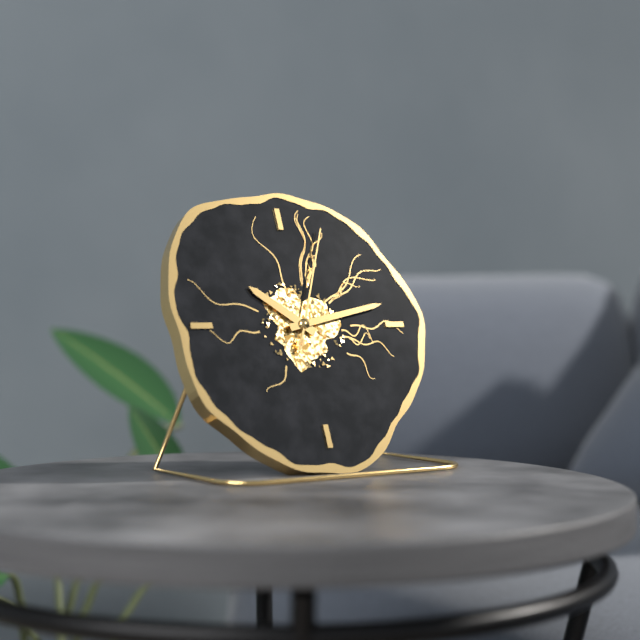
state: 10:13:04
